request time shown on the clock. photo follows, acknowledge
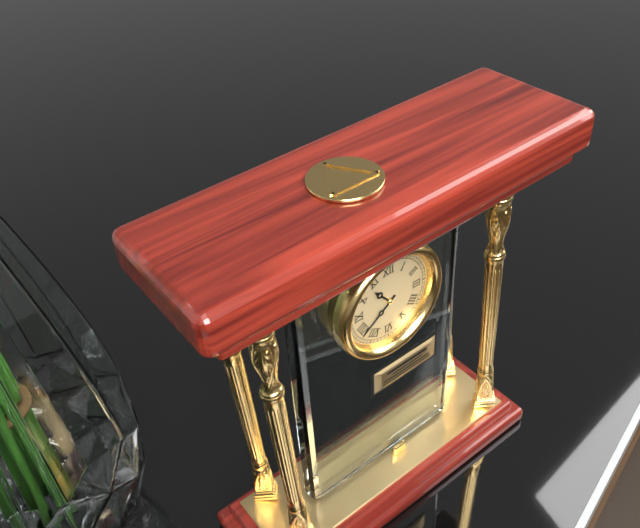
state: 10:39
